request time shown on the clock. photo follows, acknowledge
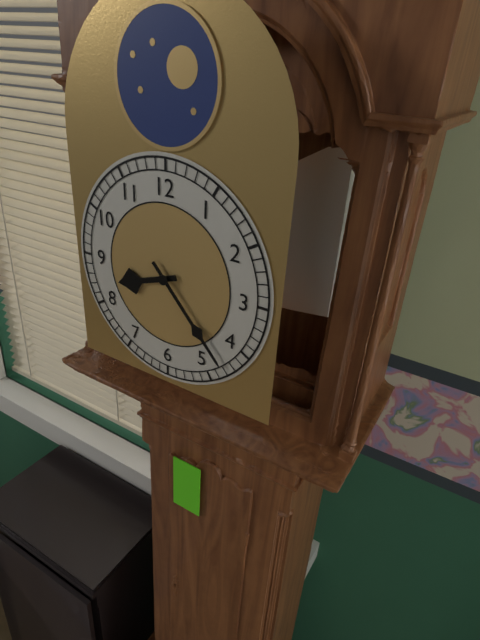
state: 8:23
